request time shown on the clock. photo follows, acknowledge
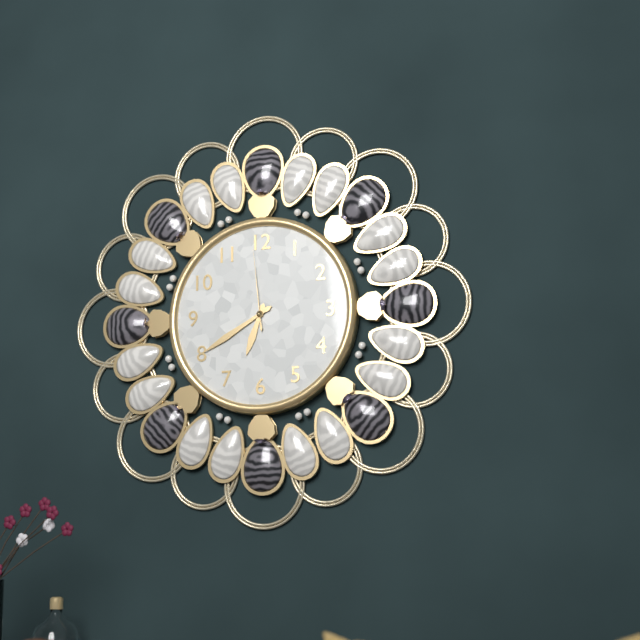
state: 6:40:59
